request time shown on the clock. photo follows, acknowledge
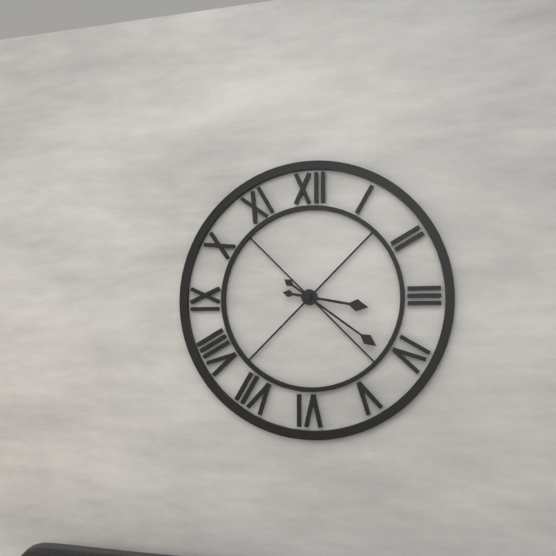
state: 3:21
